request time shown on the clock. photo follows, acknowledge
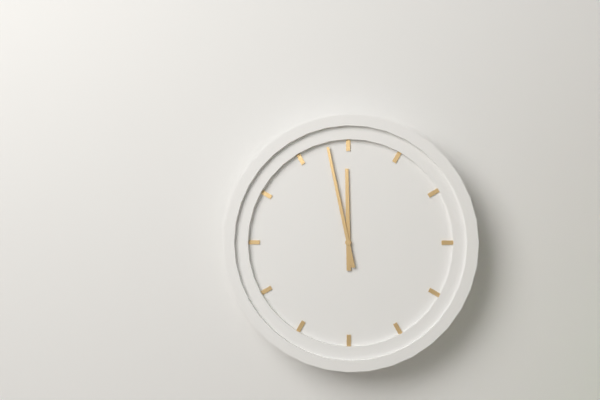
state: 11:58
